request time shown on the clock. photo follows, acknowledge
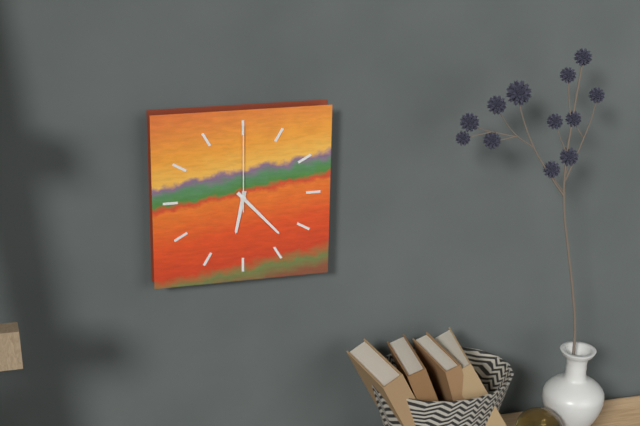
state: 6:23:00
